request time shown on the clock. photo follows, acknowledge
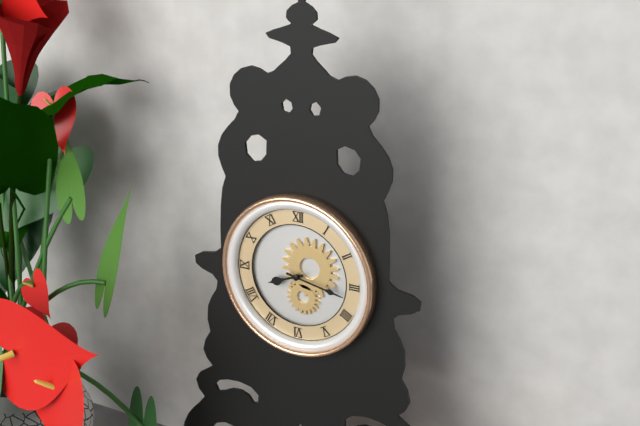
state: 8:17
